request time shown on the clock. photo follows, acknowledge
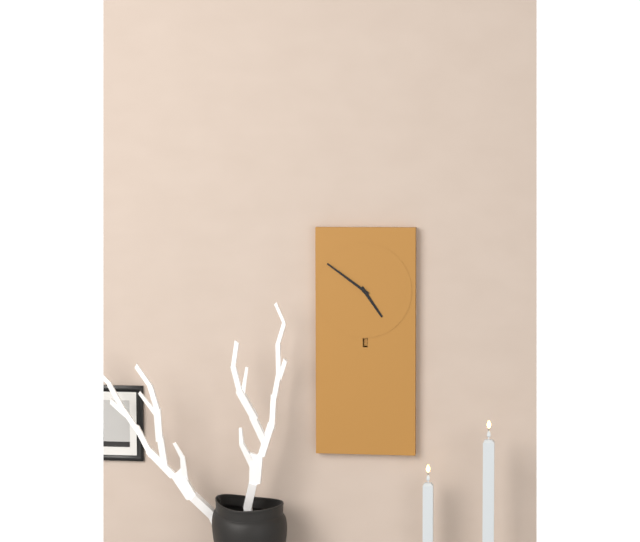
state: 4:51
